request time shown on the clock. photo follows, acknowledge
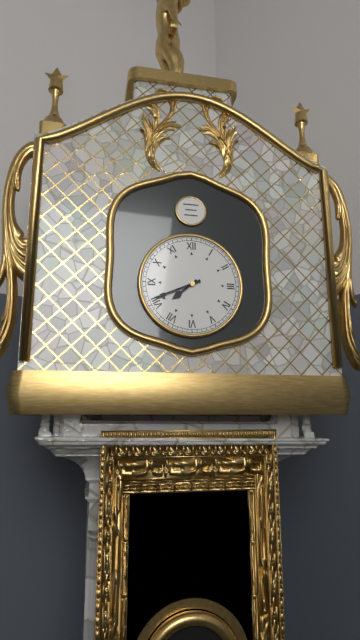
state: 7:41
